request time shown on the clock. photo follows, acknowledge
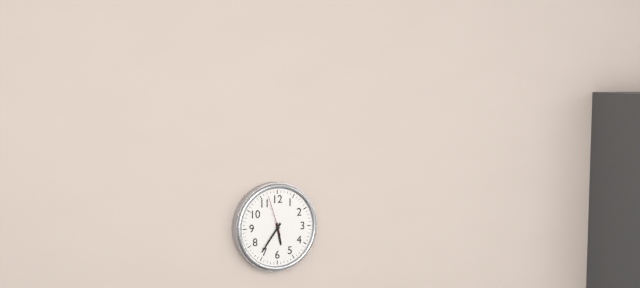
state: 5:36
